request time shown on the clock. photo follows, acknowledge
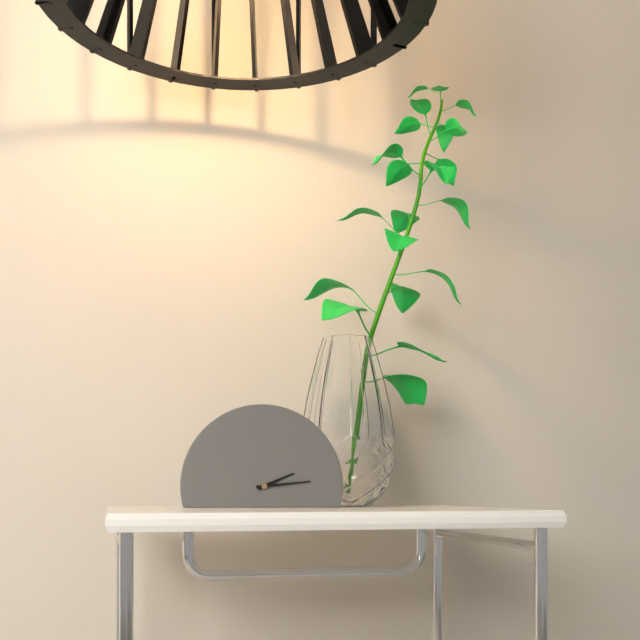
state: 2:14
